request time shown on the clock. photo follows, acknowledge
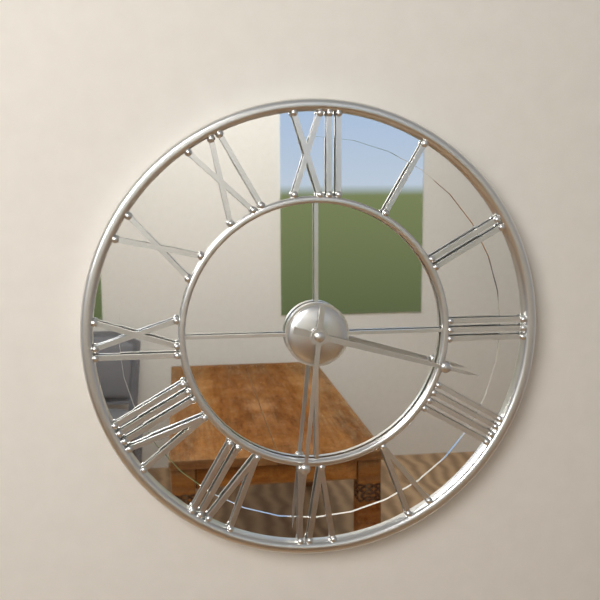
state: 3:31
